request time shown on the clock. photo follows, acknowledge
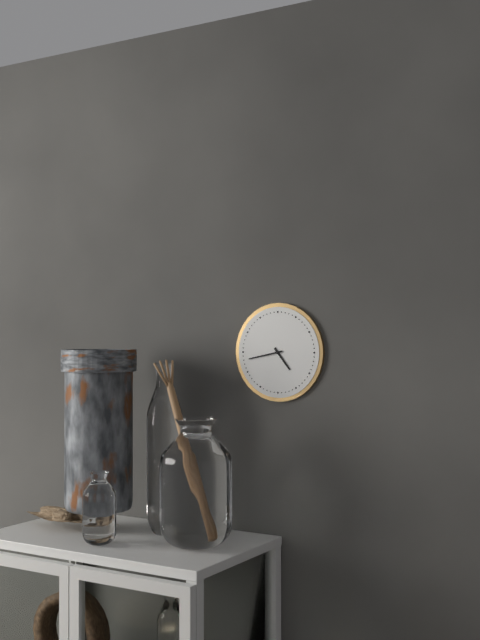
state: 4:43
